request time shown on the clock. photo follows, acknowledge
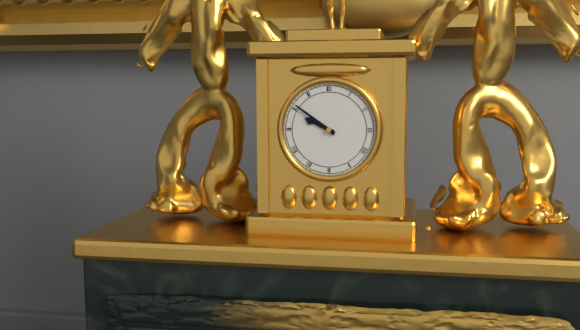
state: 9:51
